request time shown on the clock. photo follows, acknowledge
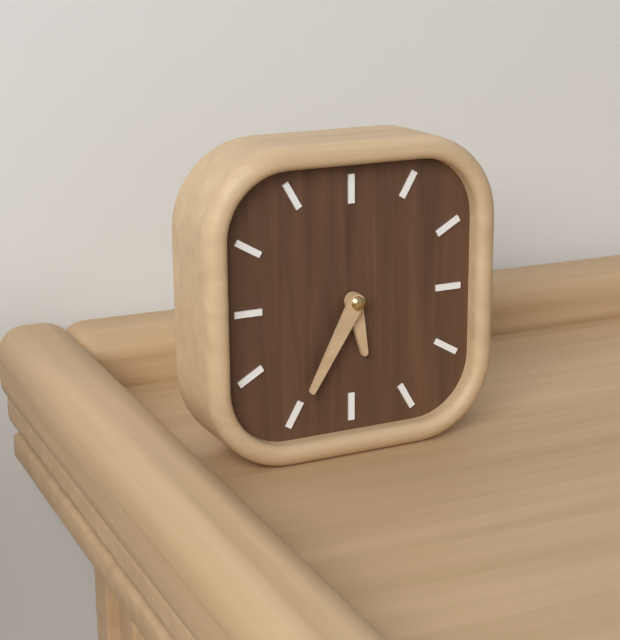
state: 5:35
